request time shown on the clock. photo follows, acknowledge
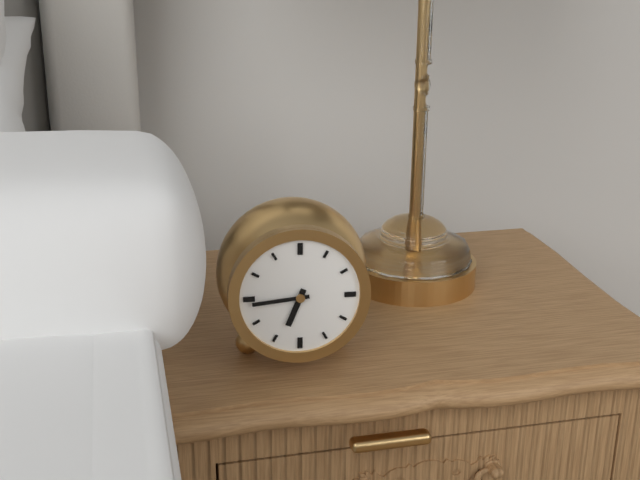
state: 6:44
